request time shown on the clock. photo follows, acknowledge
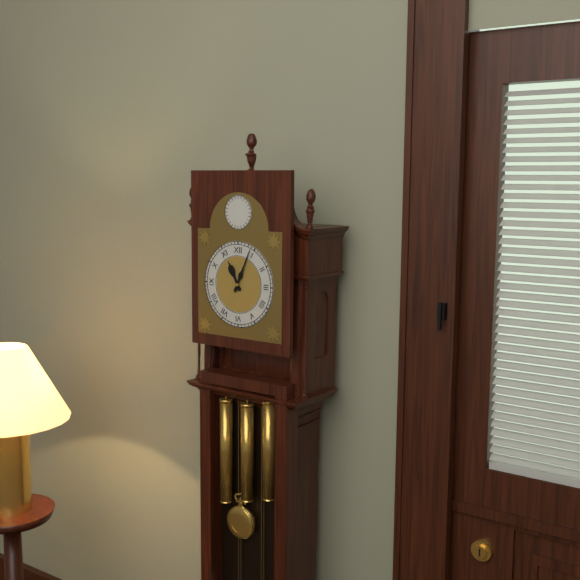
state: 11:04
